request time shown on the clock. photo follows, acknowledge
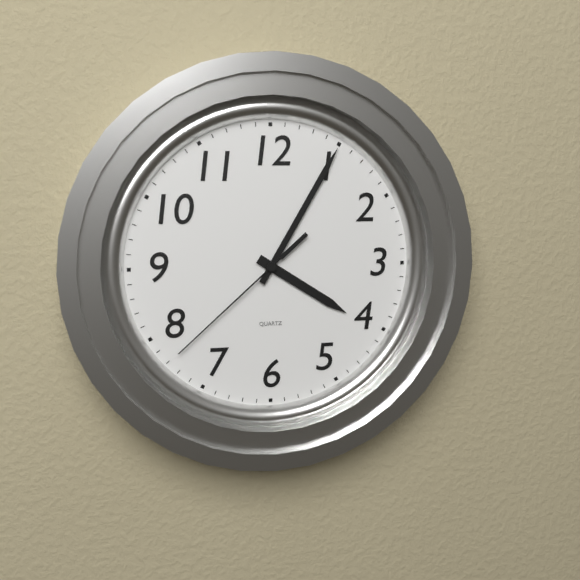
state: 4:05:38
